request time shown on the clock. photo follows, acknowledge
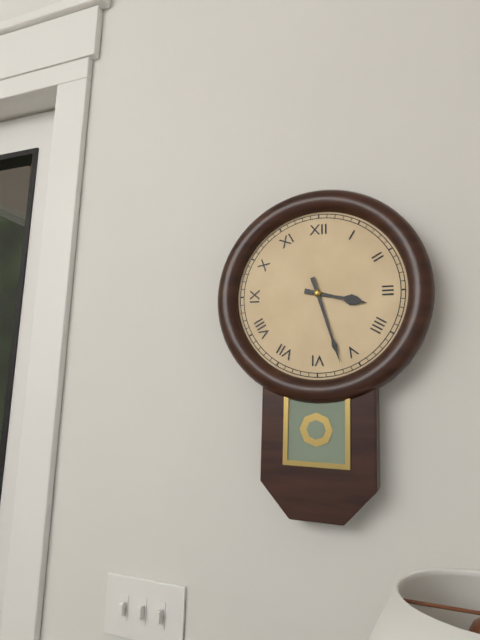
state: 3:27
